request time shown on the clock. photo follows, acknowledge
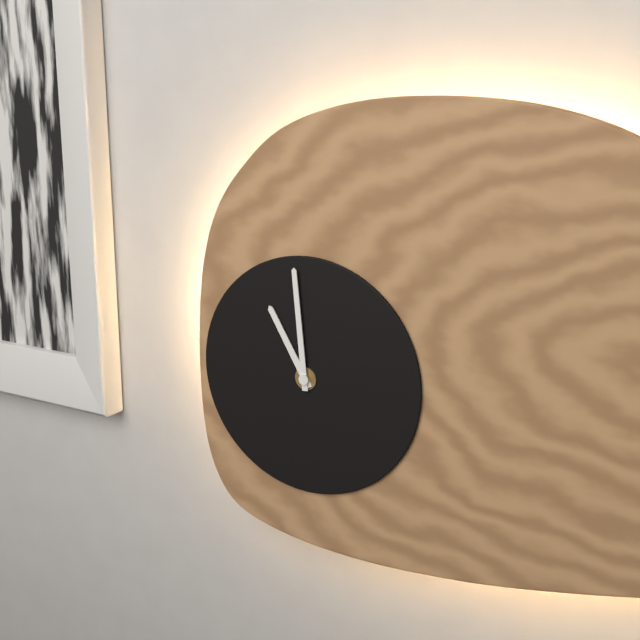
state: 10:59
